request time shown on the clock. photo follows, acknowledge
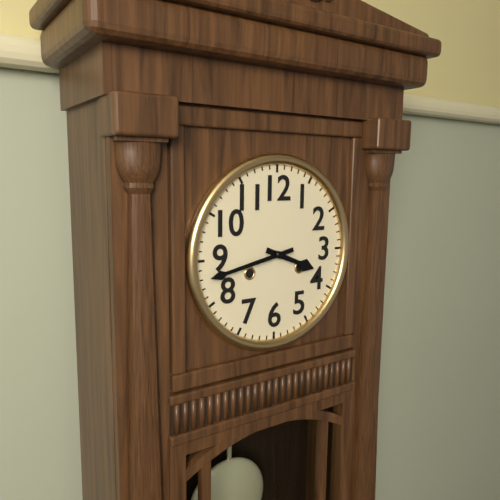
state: 3:43
